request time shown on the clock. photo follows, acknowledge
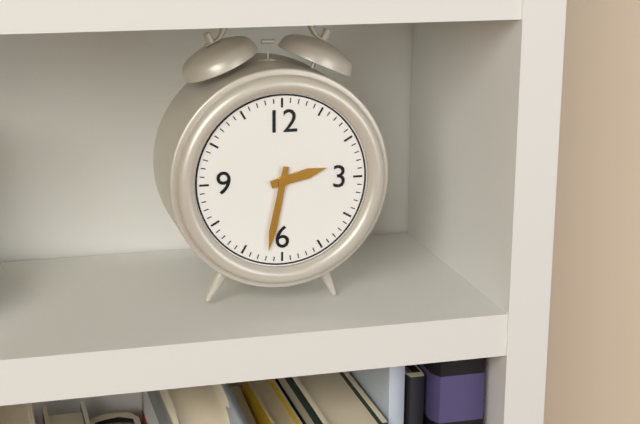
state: 2:32
